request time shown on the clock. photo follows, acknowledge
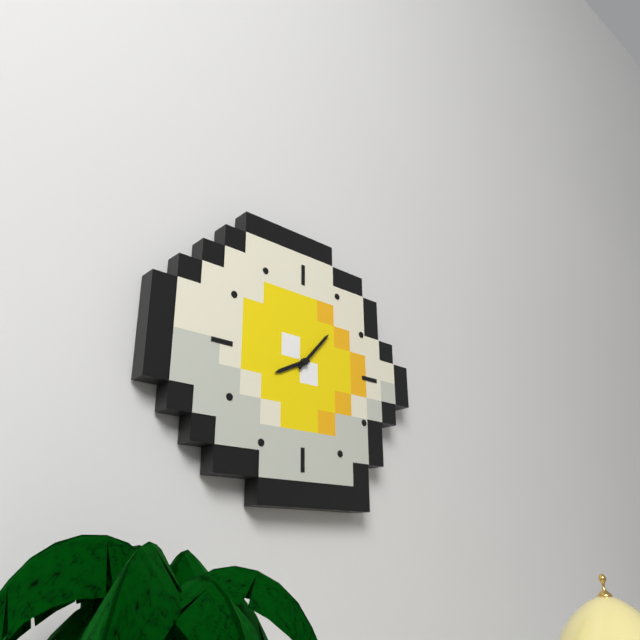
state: 8:07
